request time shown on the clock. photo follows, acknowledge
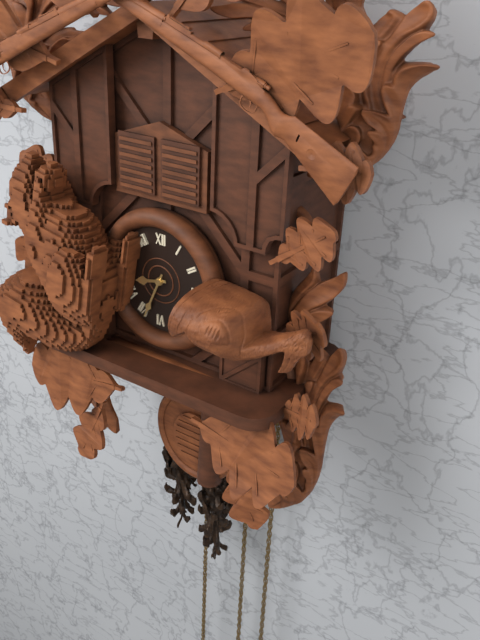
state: 8:34
